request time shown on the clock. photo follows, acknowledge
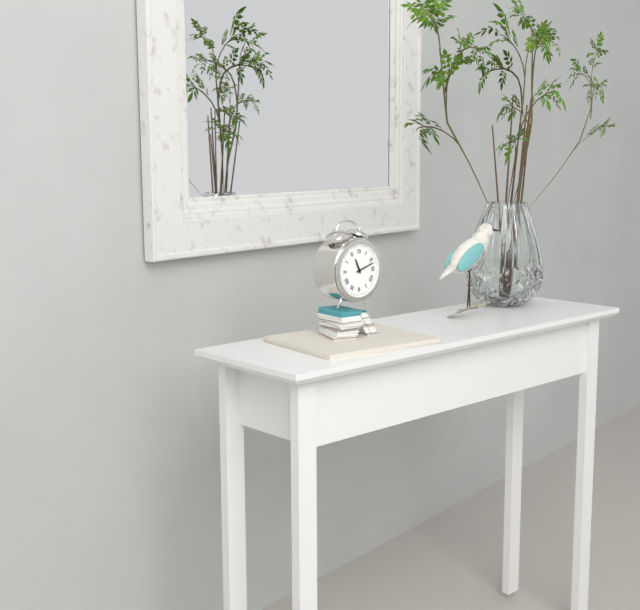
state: 11:12
